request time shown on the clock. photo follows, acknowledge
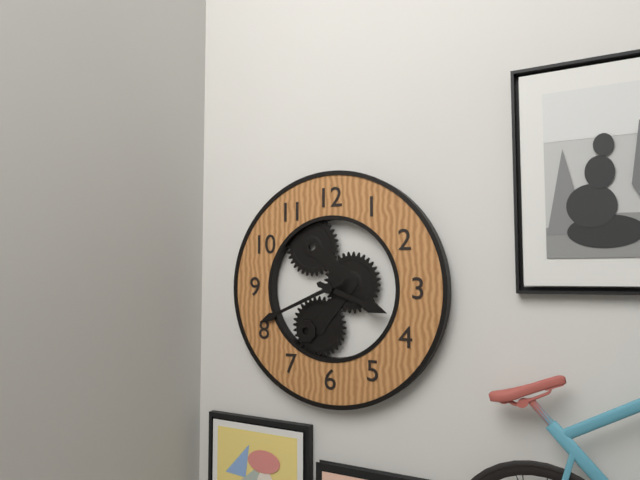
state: 3:41
